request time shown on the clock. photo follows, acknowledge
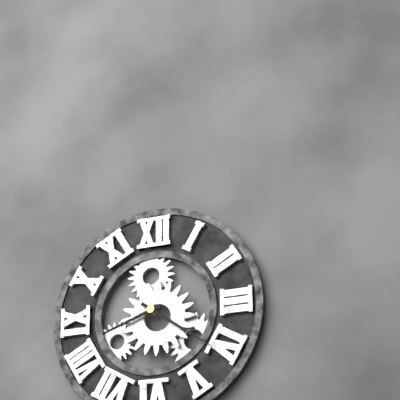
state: 8:21
